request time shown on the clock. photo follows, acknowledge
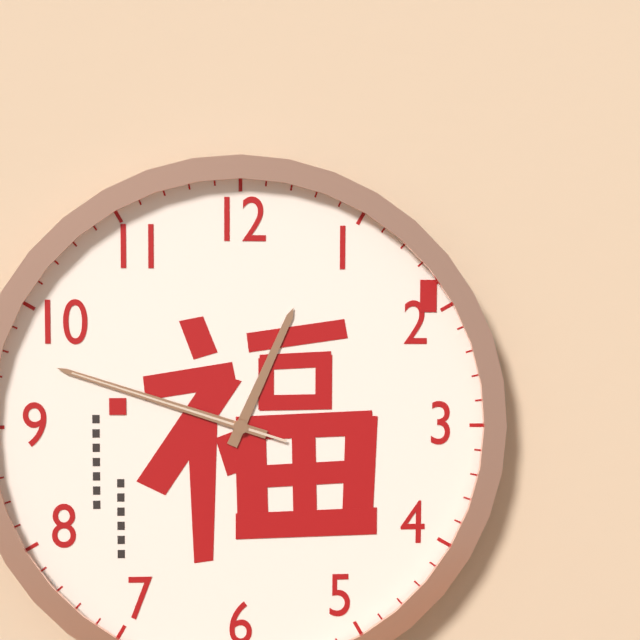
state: 12:48:48
